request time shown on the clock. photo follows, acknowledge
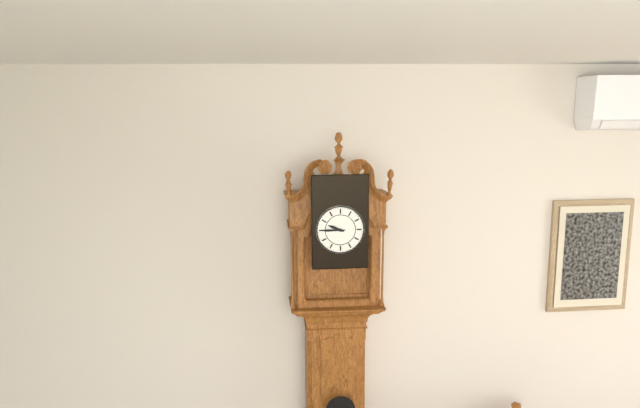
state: 9:45
